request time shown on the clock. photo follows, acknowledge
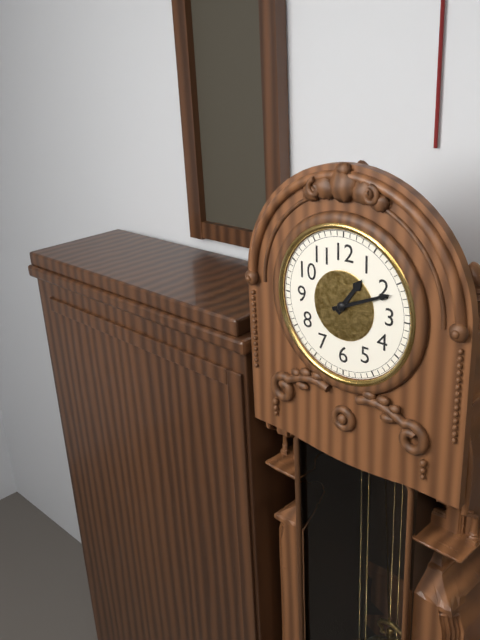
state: 1:11
